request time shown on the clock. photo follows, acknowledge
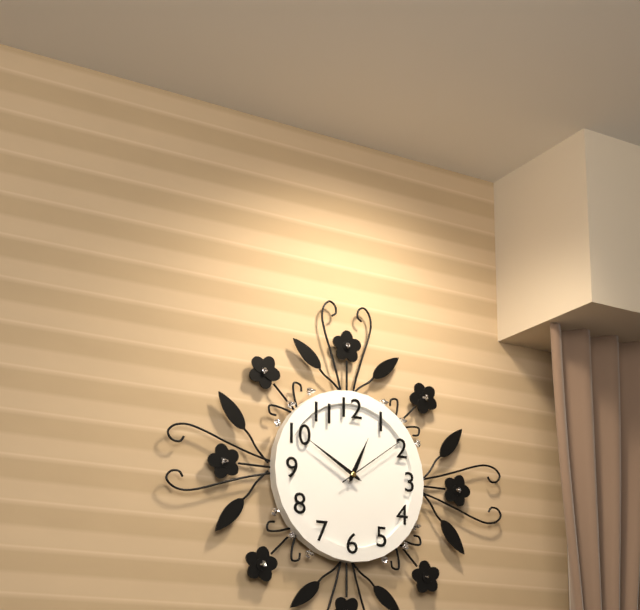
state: 12:50:09
